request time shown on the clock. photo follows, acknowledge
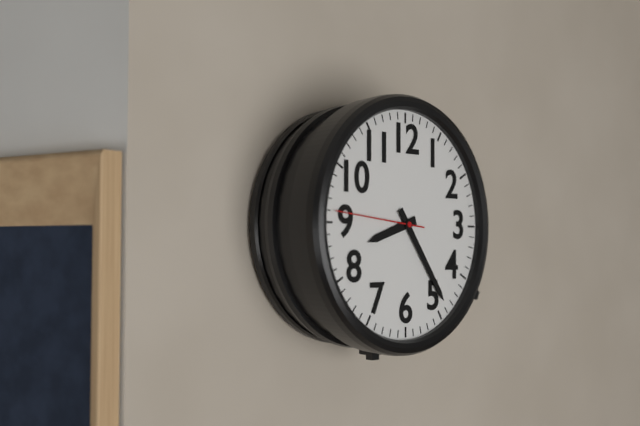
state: 8:24:46
